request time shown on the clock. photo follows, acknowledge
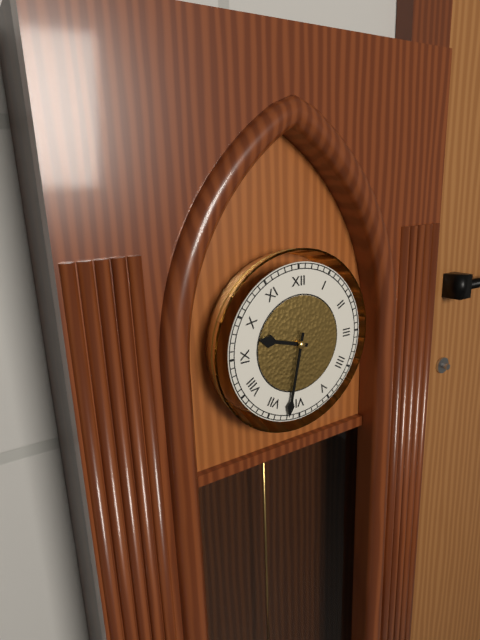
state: 9:32
